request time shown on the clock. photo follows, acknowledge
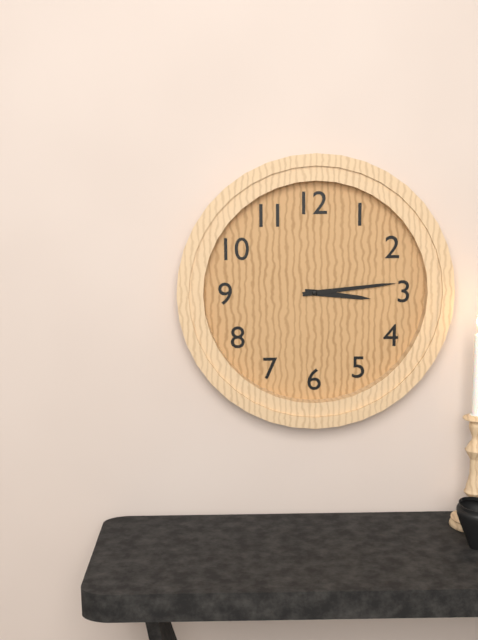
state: 3:14
